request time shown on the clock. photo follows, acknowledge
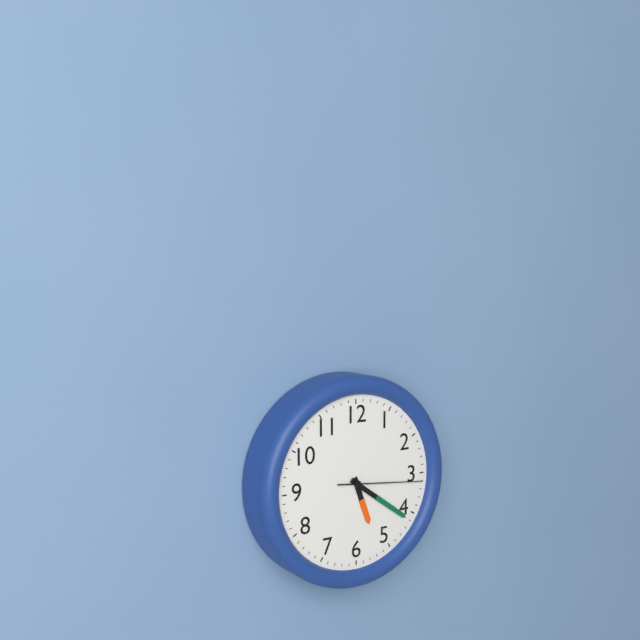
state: 5:21:16
